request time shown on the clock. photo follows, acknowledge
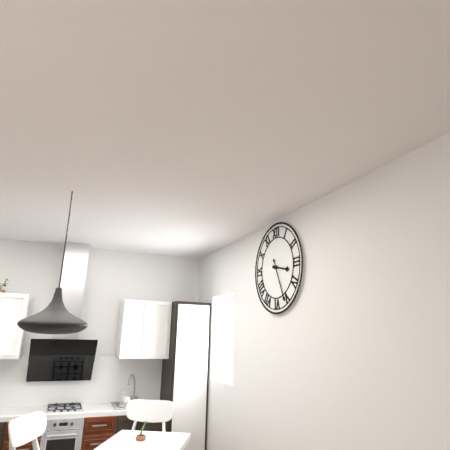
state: 3:26
